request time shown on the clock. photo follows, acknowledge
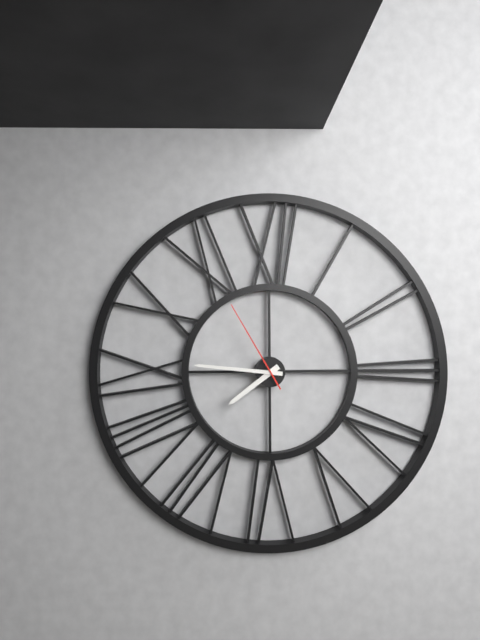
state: 7:46:55
